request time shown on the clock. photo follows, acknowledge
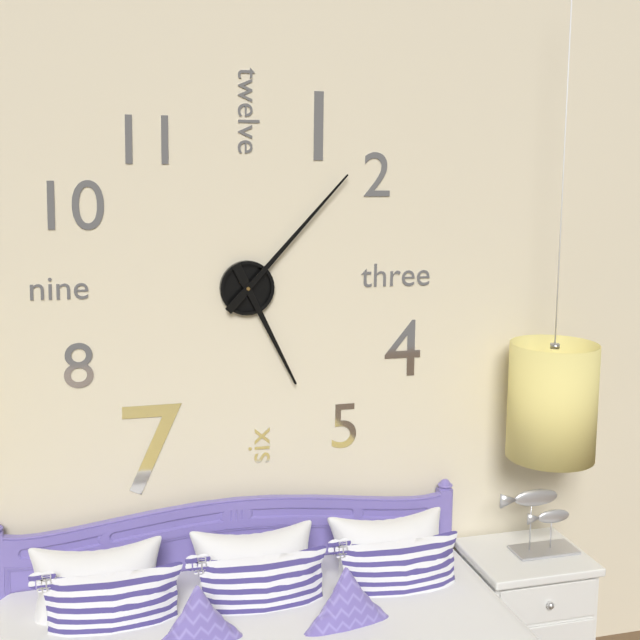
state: 5:07
